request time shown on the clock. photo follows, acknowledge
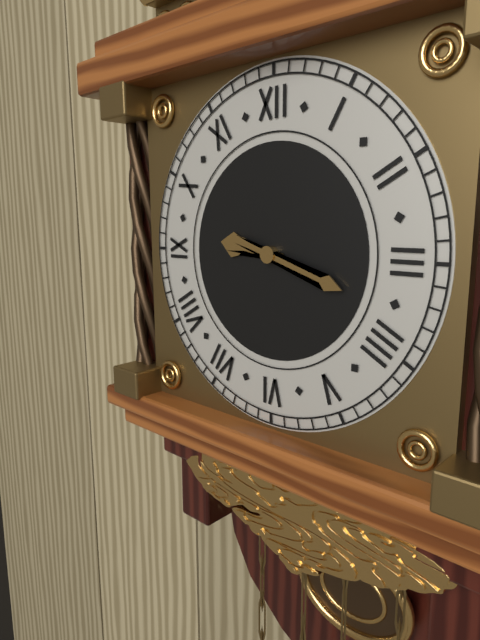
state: 9:18
